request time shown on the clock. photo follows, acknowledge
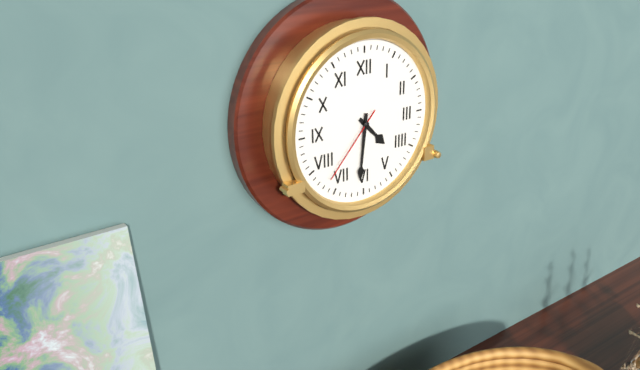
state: 4:31:37
